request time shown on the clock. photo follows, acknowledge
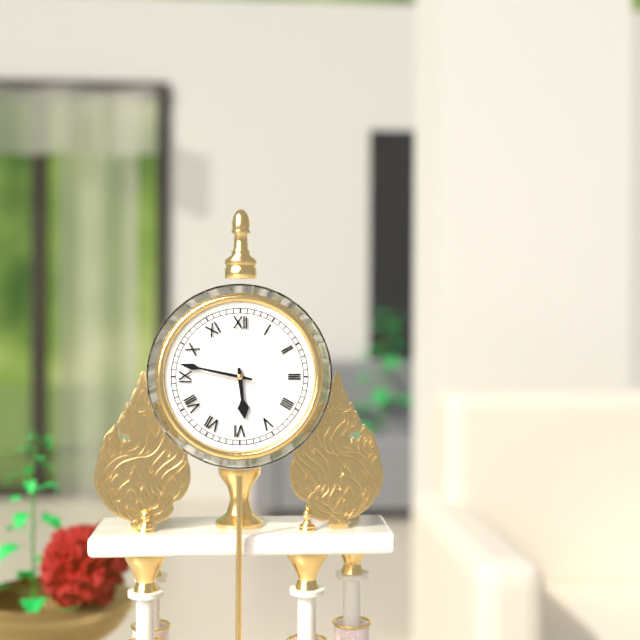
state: 5:47
